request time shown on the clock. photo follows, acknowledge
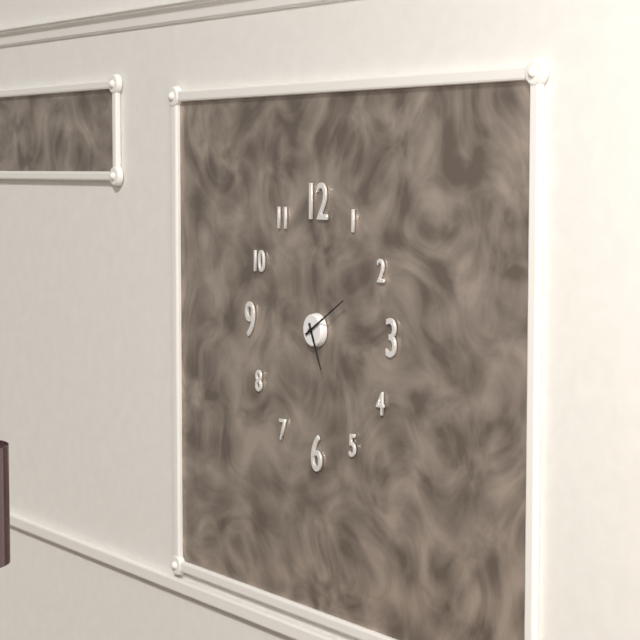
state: 5:10
